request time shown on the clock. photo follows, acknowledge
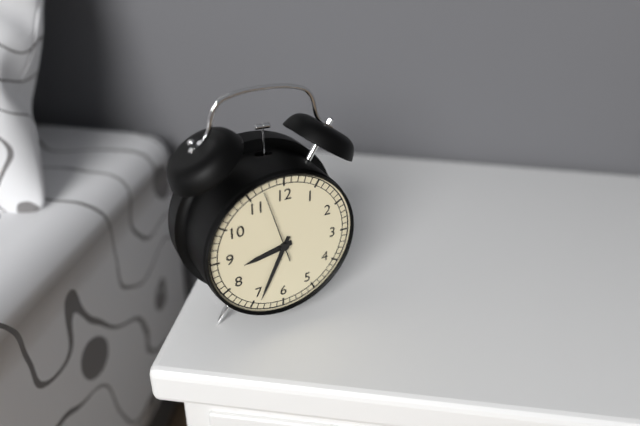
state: 8:34:57
